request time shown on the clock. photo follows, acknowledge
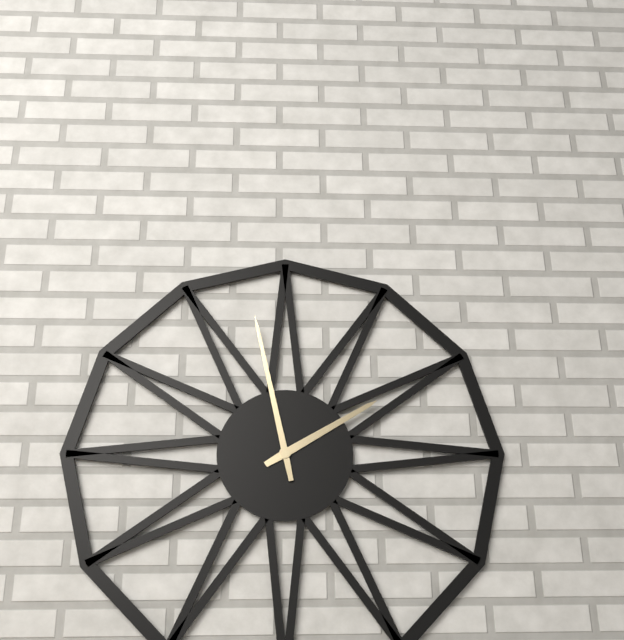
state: 1:58
